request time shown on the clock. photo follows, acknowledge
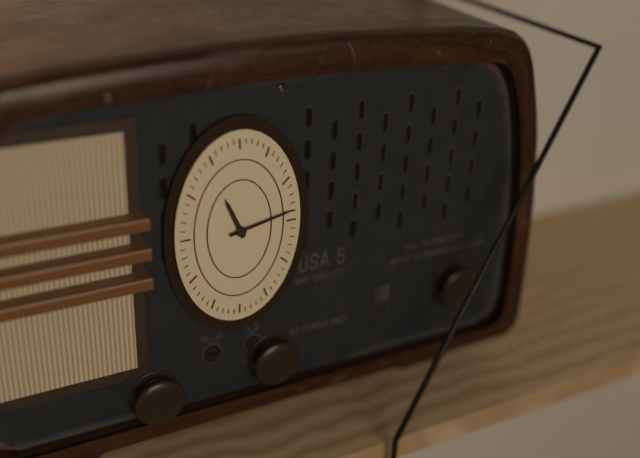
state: 11:13
